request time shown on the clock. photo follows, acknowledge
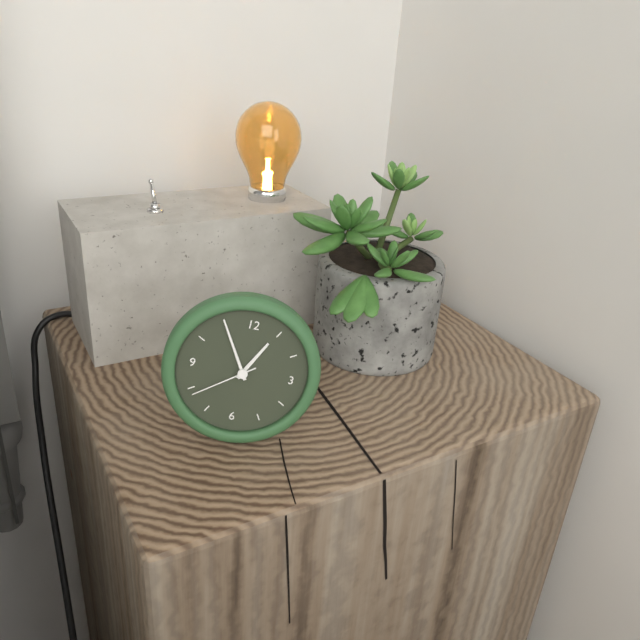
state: 12:55:39
